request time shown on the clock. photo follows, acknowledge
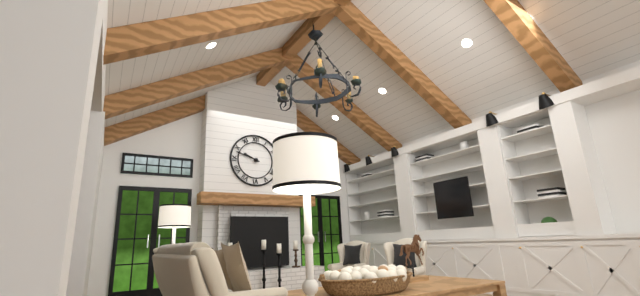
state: 9:48
